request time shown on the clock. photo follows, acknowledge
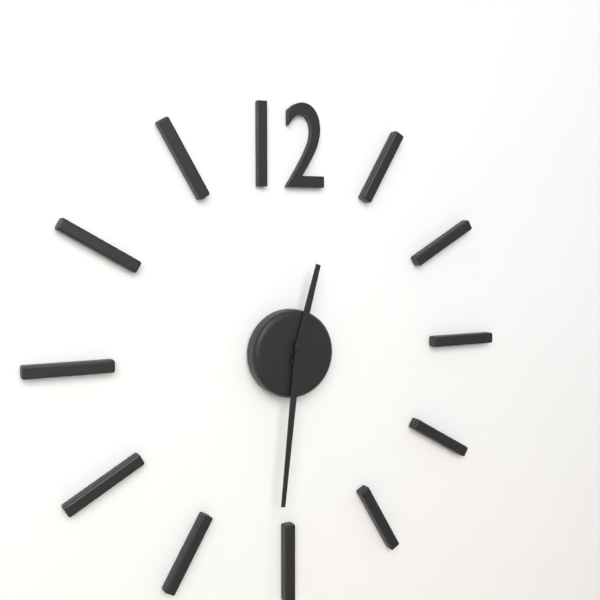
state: 12:31
